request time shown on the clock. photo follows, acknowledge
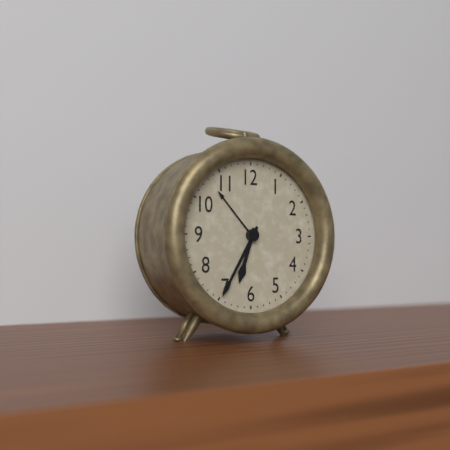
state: 6:35
